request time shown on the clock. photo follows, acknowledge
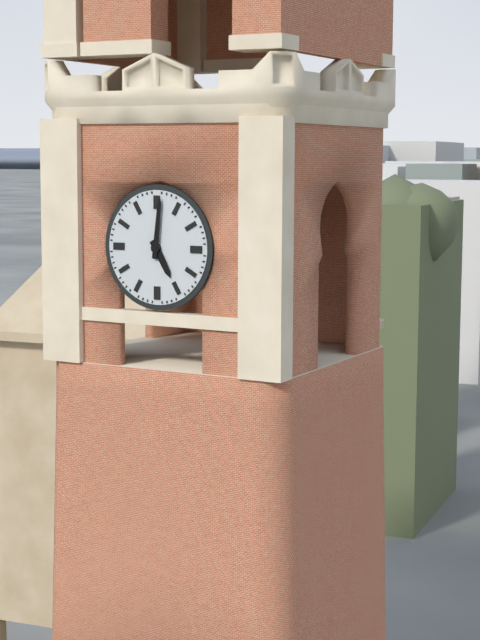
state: 5:01
